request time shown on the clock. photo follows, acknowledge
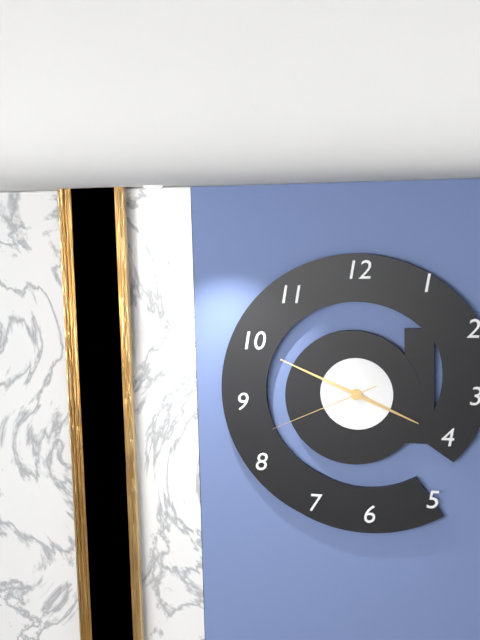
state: 3:49:41
